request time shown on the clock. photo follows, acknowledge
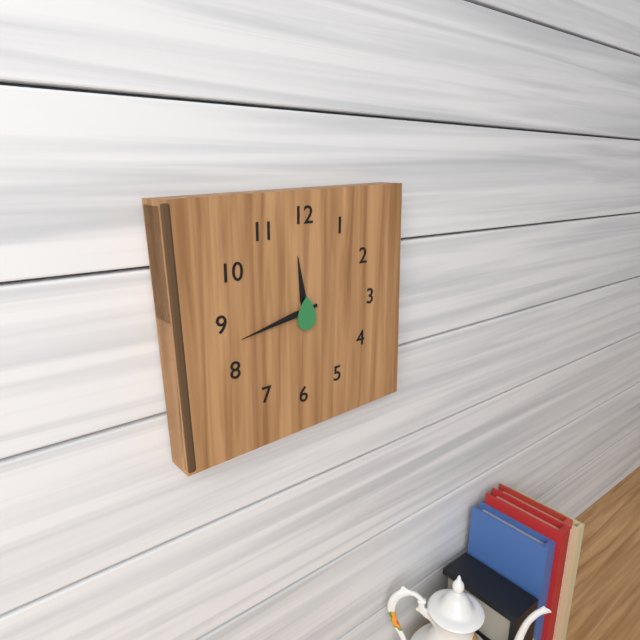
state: 11:43
